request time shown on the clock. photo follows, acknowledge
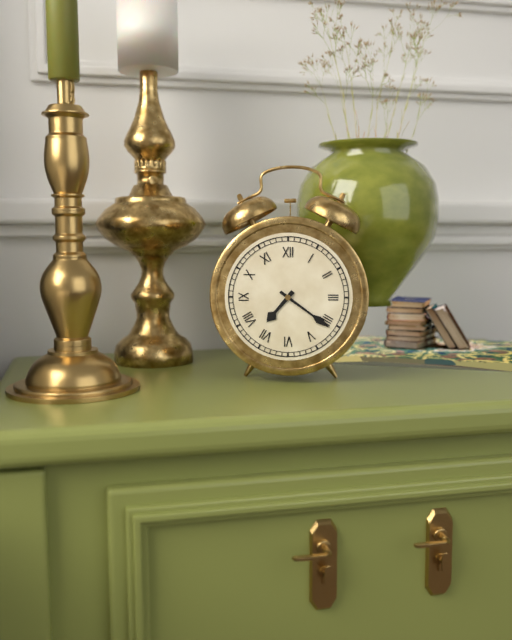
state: 7:21
